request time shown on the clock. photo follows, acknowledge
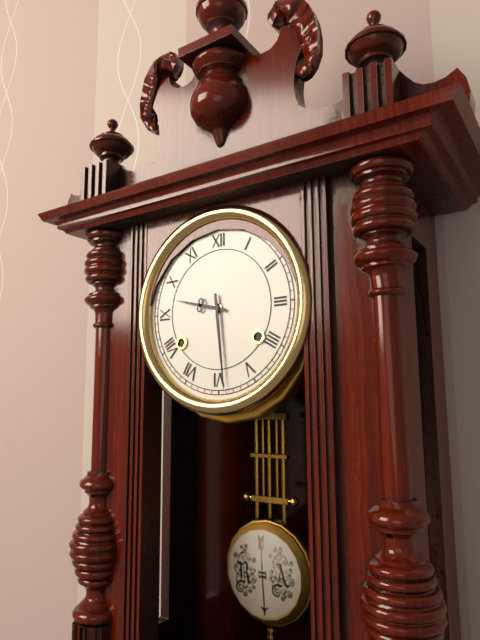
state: 9:29
